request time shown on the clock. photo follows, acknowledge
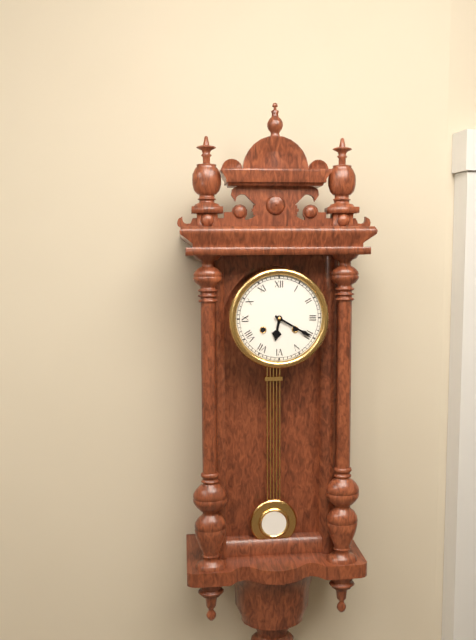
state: 6:20
